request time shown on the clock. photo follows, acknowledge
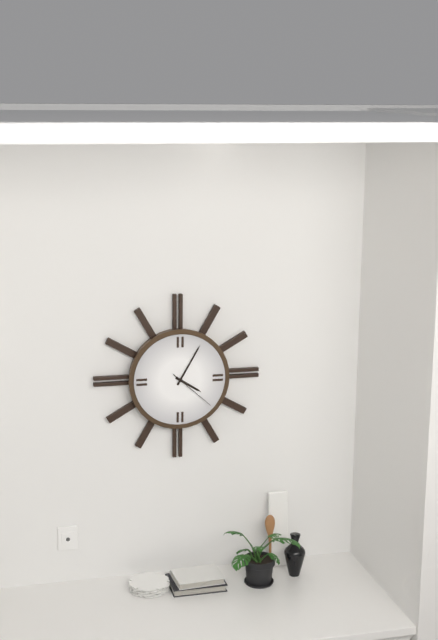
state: 4:05
